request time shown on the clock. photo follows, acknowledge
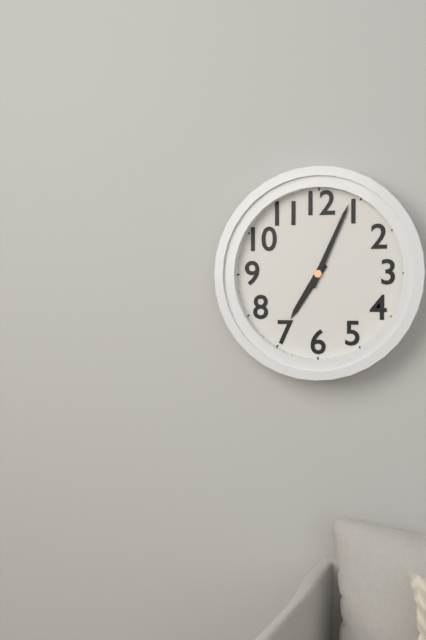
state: 7:04
